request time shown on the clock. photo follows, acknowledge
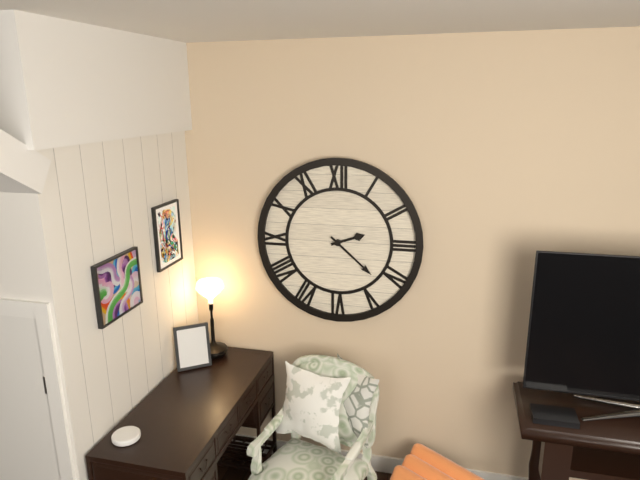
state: 2:22
